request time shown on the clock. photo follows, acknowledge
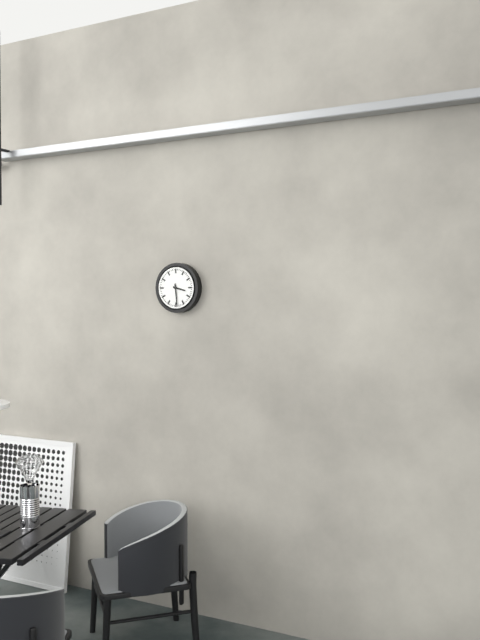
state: 3:29
